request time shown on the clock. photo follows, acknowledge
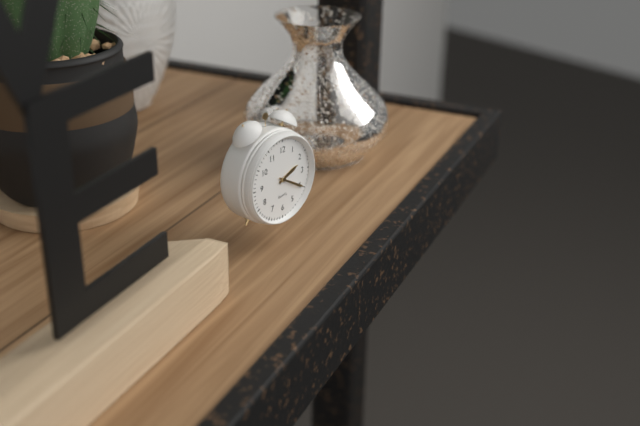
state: 2:20
